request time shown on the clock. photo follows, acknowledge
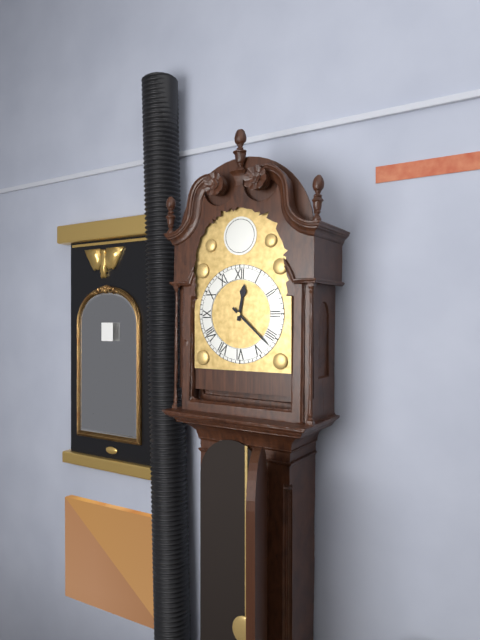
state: 12:22
